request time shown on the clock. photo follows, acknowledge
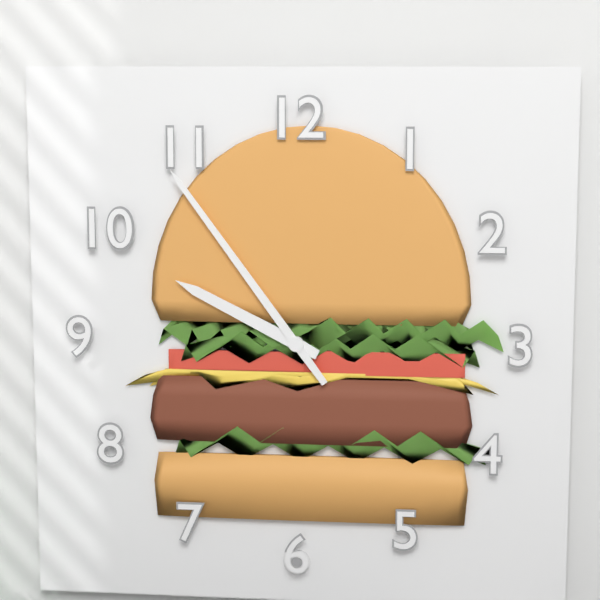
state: 9:54
